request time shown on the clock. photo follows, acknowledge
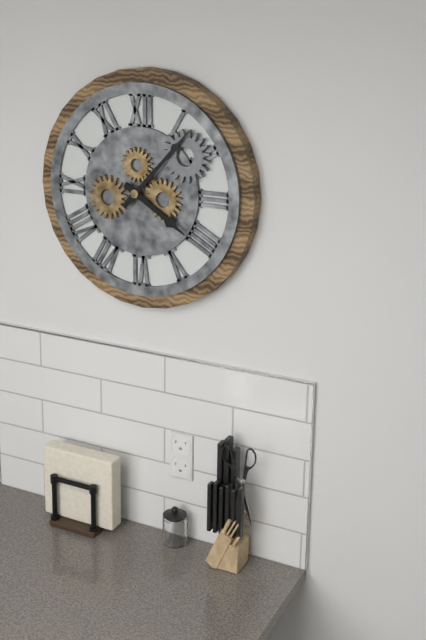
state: 4:07
